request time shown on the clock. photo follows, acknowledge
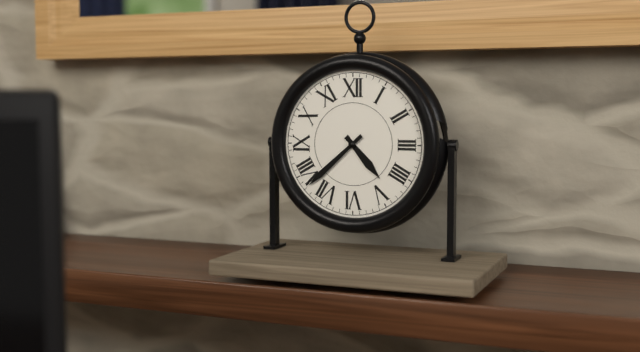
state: 4:38
